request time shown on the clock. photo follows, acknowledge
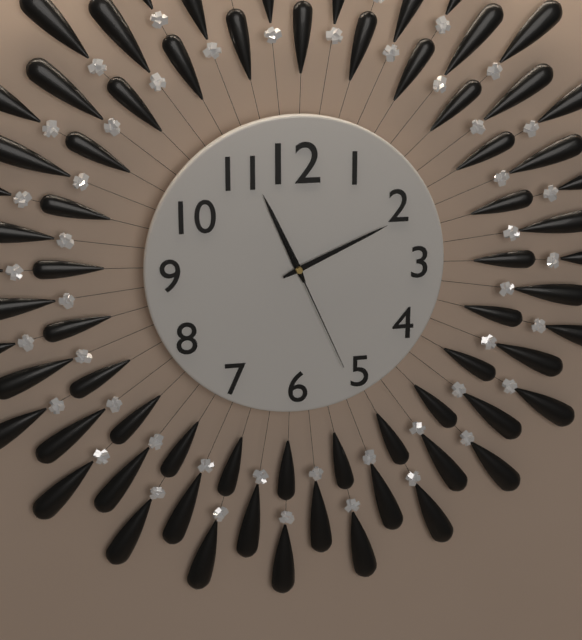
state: 11:11:26
